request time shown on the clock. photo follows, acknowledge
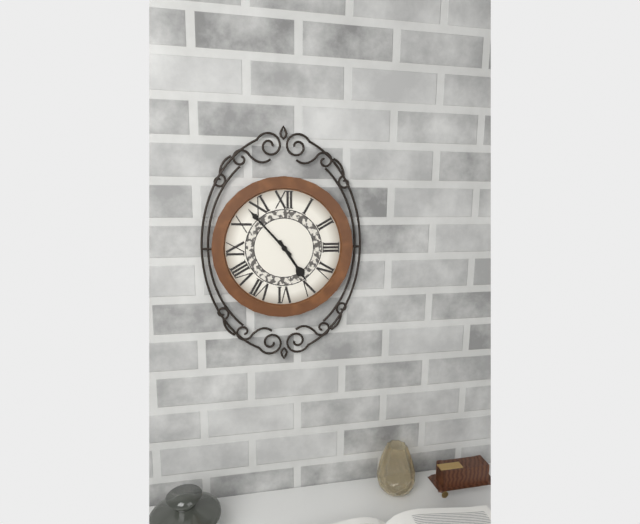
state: 4:53
